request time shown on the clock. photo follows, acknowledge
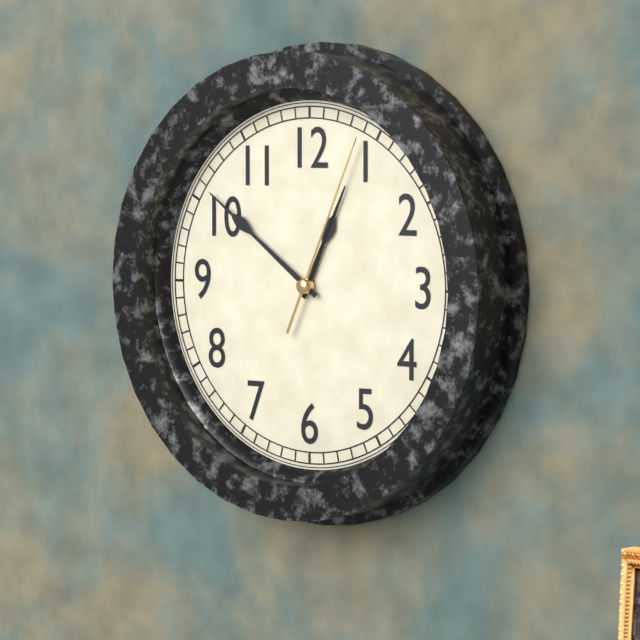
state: 12:51:04
